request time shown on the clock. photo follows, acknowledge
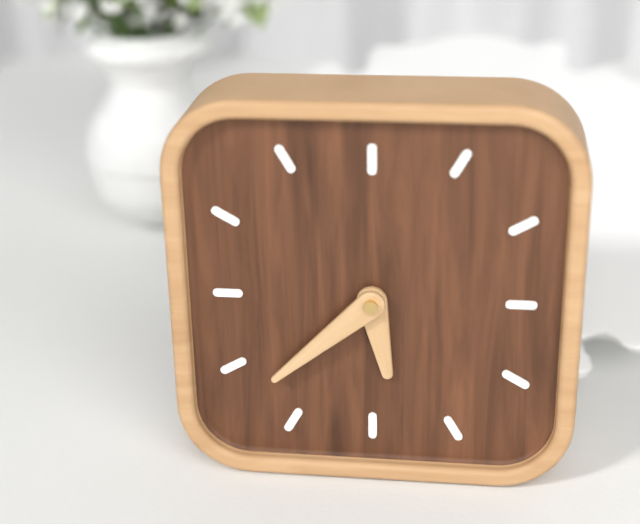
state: 5:38
